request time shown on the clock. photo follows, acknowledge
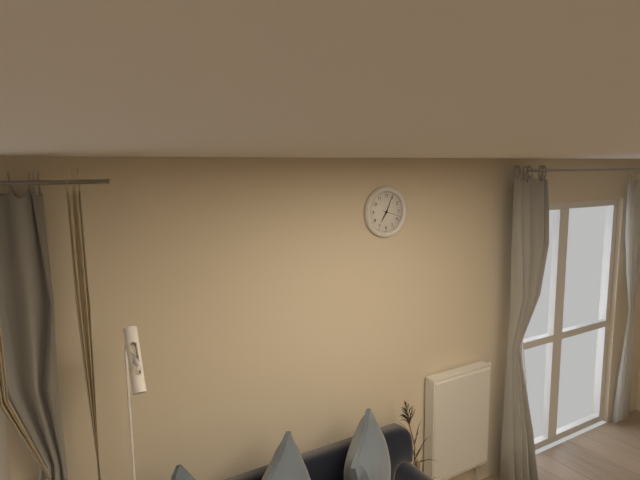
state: 7:04
